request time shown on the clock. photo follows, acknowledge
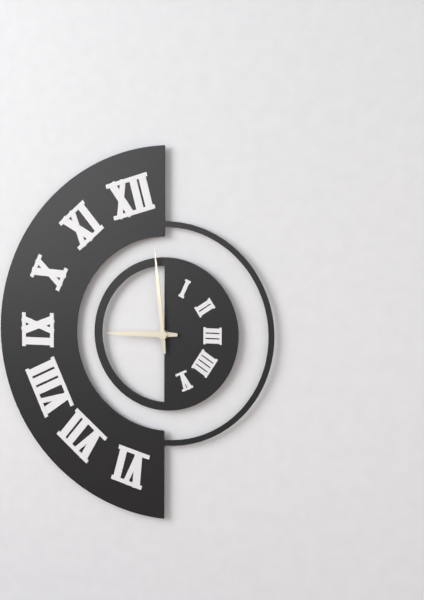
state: 8:59
